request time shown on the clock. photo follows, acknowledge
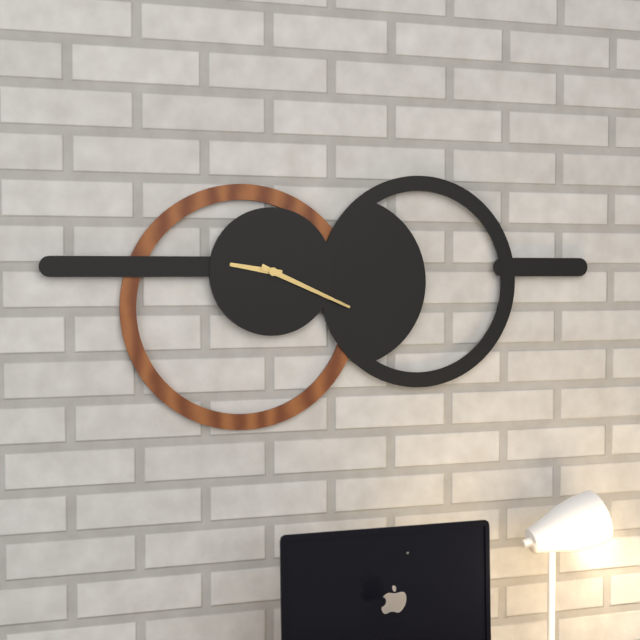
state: 9:19
